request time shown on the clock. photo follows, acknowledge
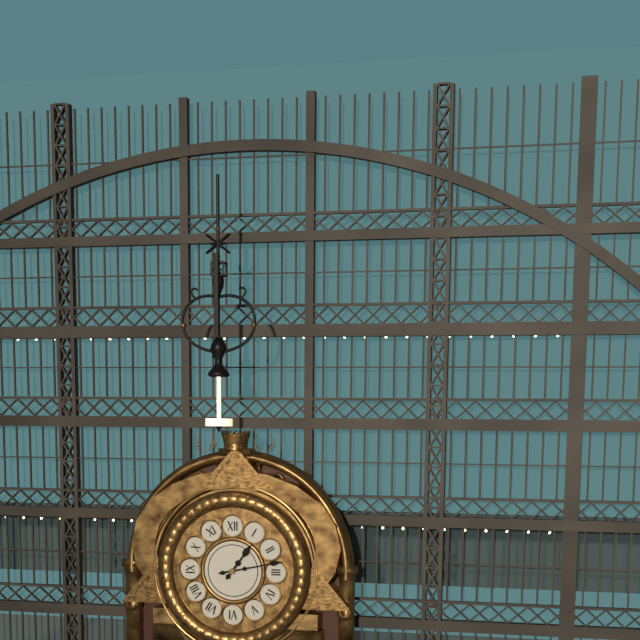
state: 1:13
